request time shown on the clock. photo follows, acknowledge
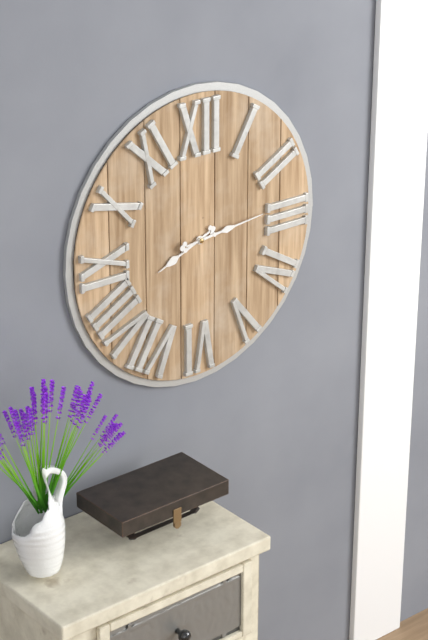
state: 8:14
